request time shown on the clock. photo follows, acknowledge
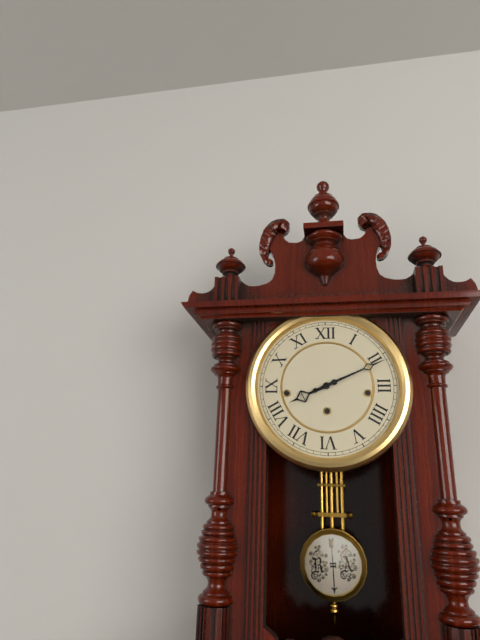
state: 8:11
